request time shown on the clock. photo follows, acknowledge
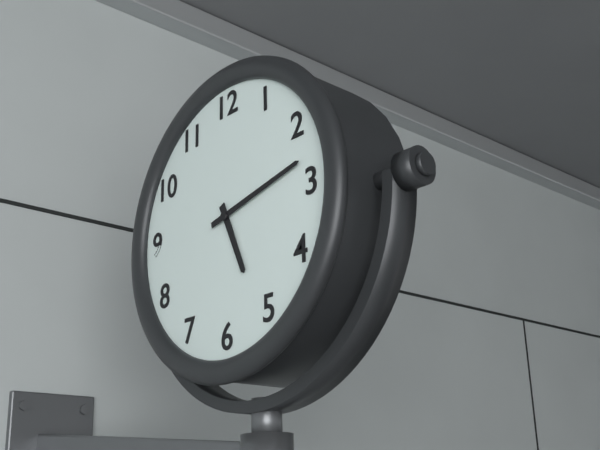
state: 5:13
